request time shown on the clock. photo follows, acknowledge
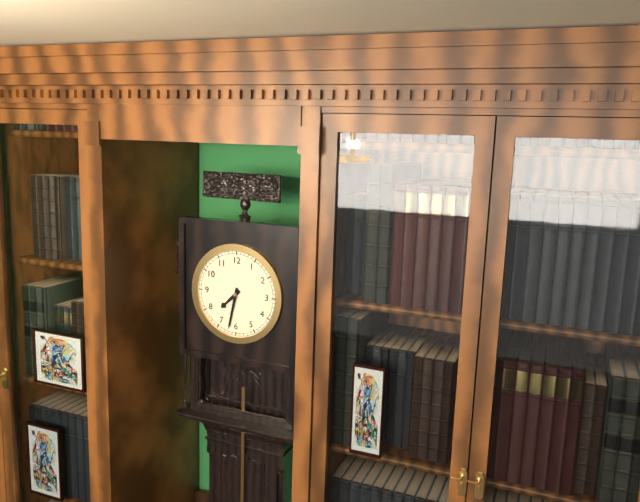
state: 7:32
